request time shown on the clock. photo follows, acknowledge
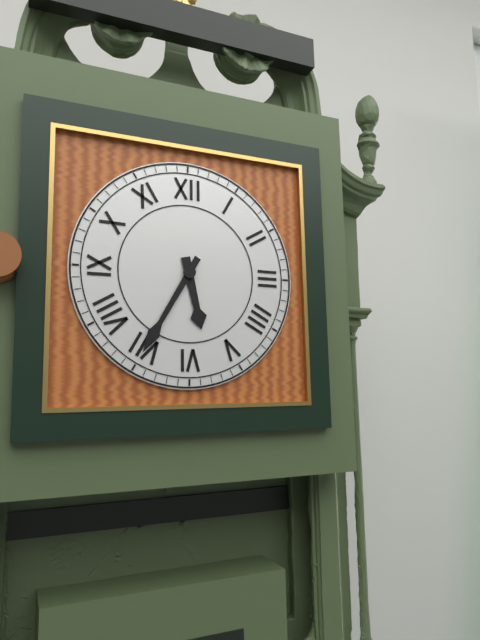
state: 5:35
